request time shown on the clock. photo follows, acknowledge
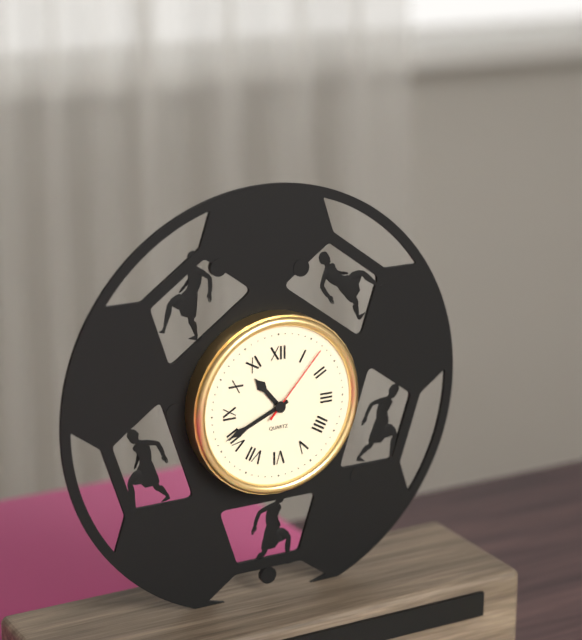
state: 10:41:07
